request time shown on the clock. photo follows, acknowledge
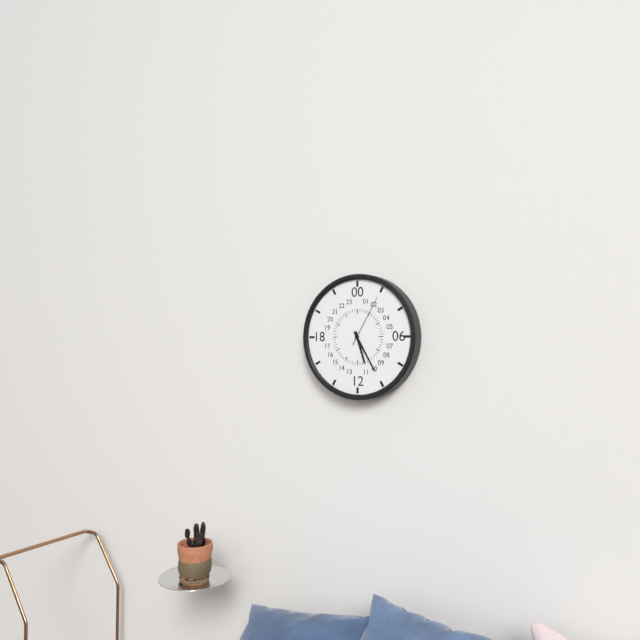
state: 5:25:05
